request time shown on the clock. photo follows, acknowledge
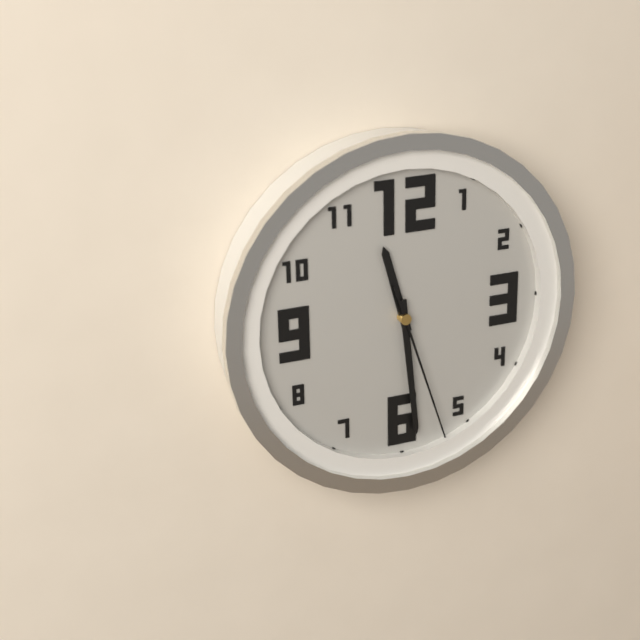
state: 11:29:27
